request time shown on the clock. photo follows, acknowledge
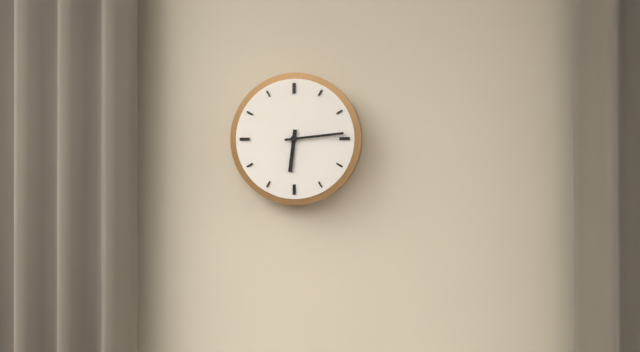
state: 6:14
